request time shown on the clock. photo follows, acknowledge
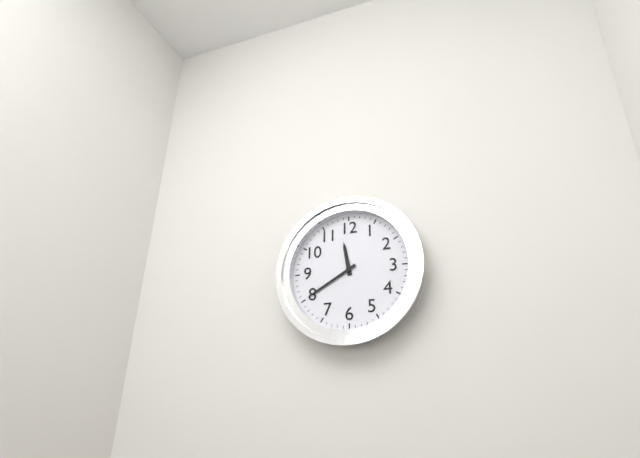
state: 11:40
